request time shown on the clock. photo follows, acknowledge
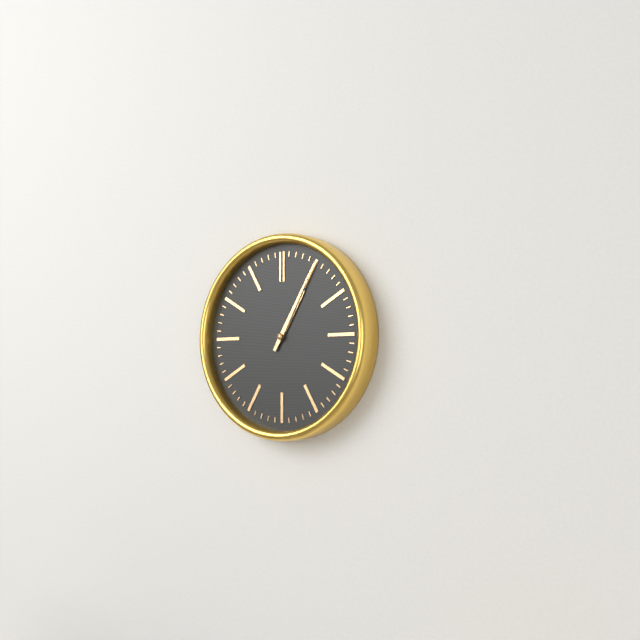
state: 1:05
